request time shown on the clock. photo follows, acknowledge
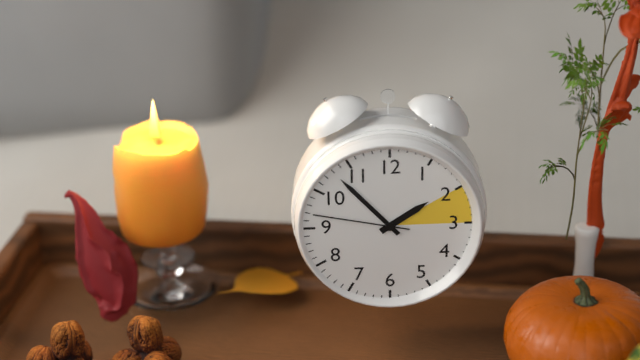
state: 1:53:47
